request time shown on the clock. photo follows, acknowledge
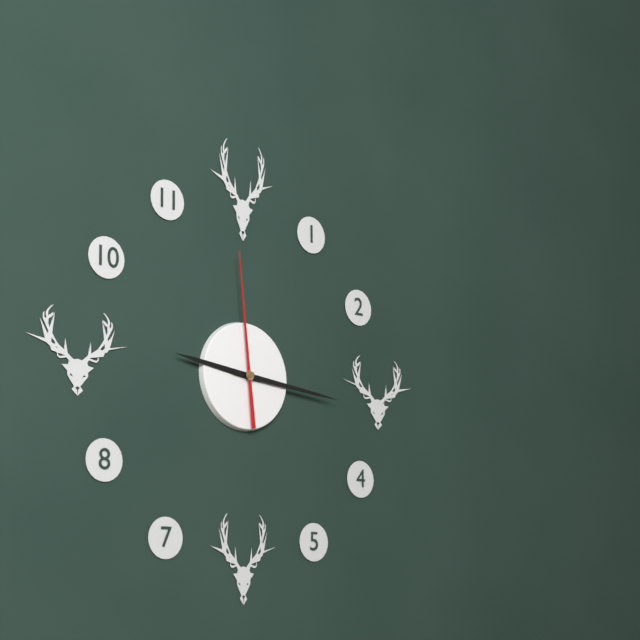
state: 9:16:59
